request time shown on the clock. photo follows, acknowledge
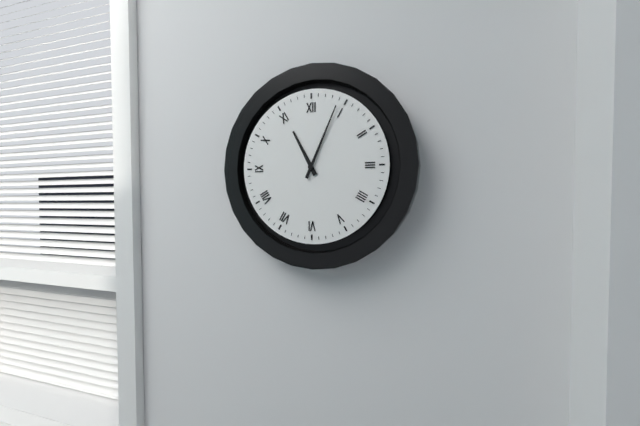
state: 11:04
